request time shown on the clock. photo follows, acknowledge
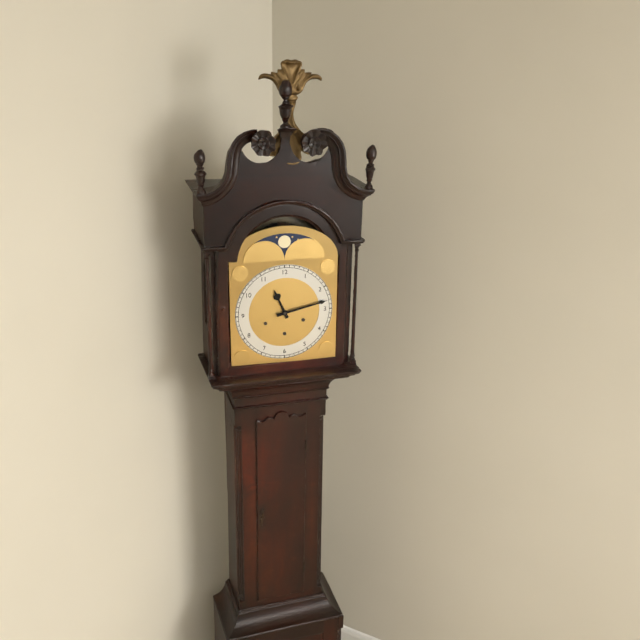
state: 11:13
